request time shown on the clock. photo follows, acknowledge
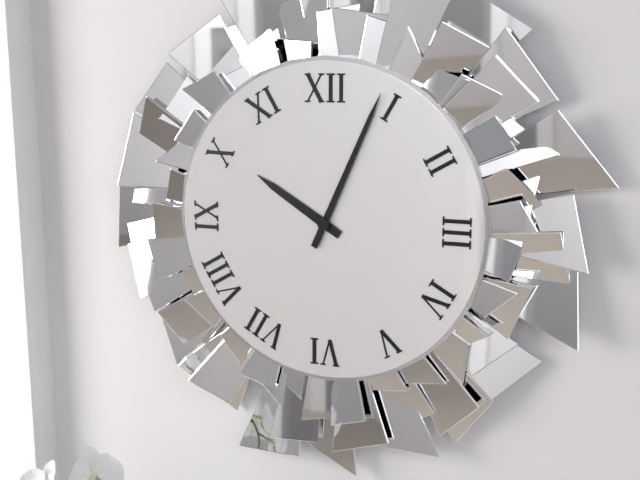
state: 10:04
